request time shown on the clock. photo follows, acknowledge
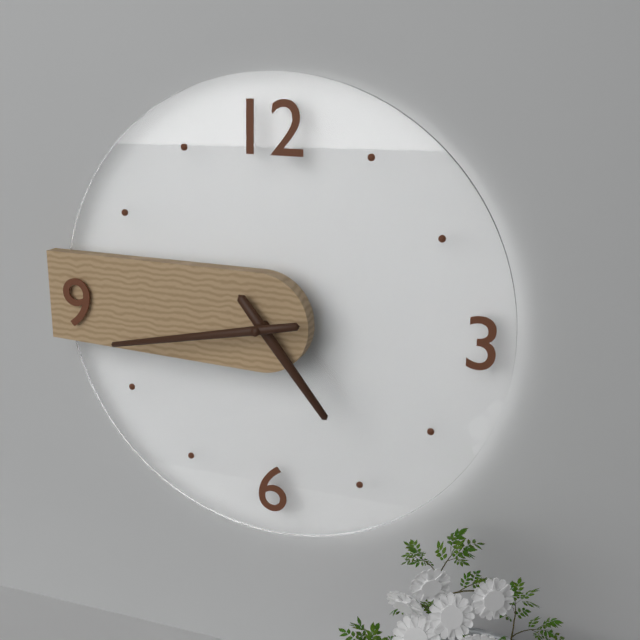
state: 4:43
